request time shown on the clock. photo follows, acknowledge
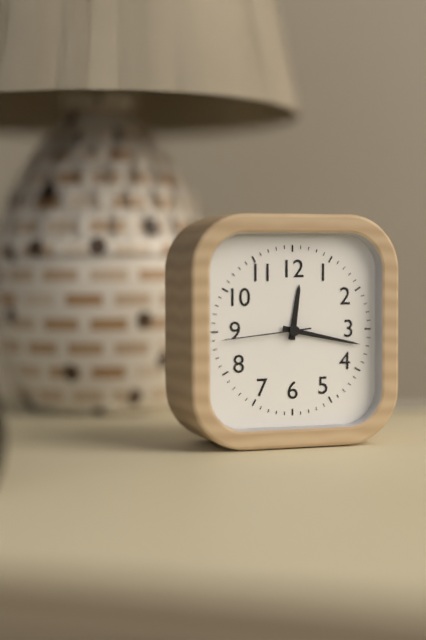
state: 12:17:44
